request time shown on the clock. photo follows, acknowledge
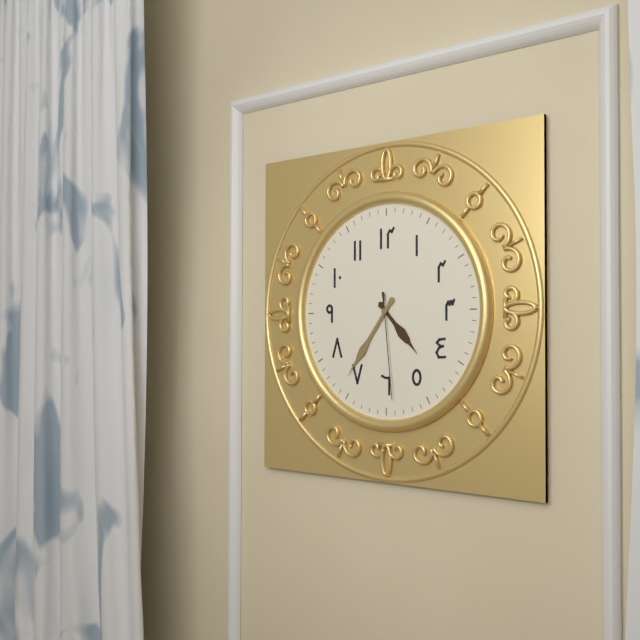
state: 4:36:29
